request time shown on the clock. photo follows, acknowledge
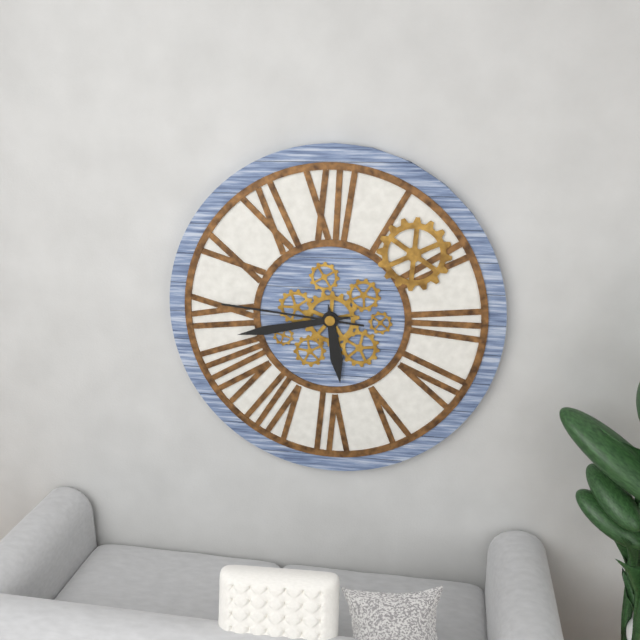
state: 5:43:46
